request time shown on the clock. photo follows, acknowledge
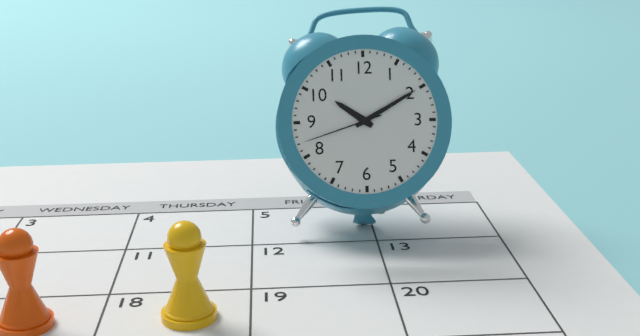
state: 10:10:42
